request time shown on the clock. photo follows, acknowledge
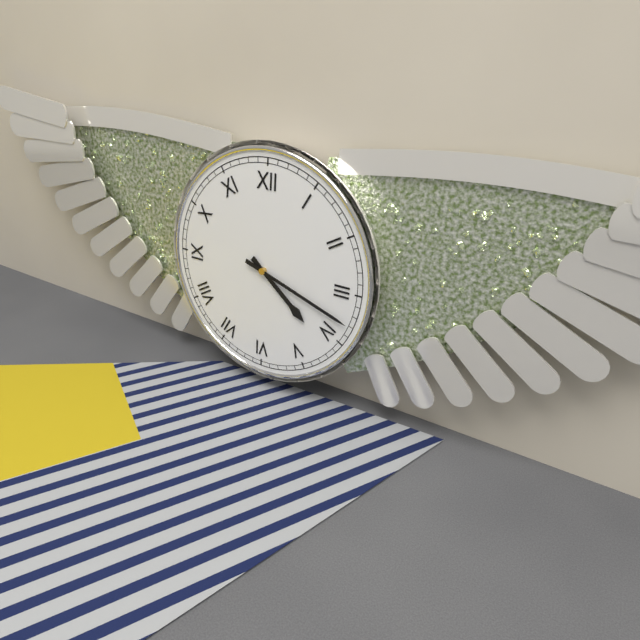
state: 4:18
